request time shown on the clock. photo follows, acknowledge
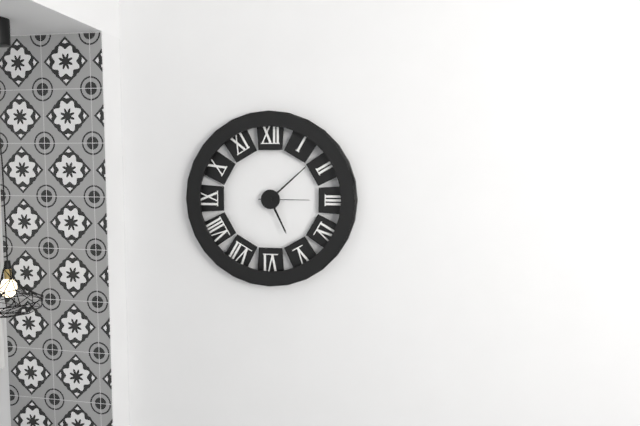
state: 5:08
